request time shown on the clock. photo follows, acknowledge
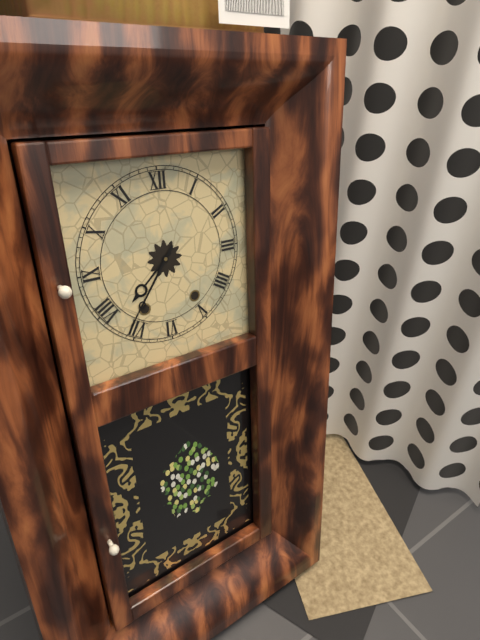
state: 7:36
